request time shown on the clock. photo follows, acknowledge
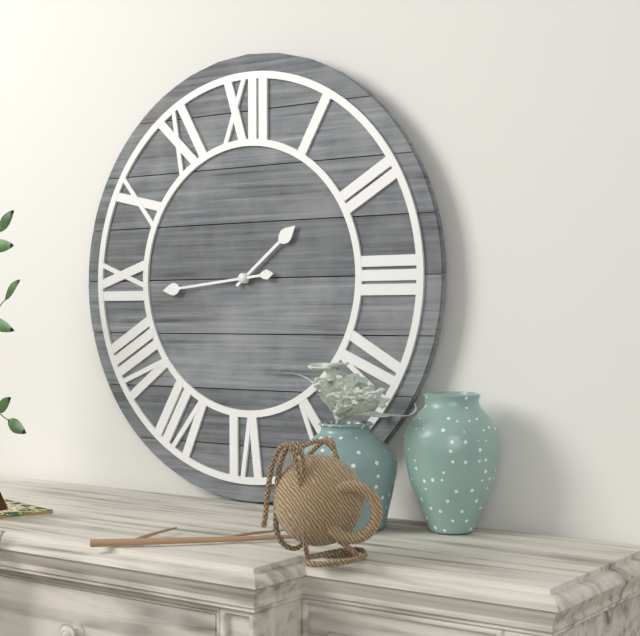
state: 1:44
